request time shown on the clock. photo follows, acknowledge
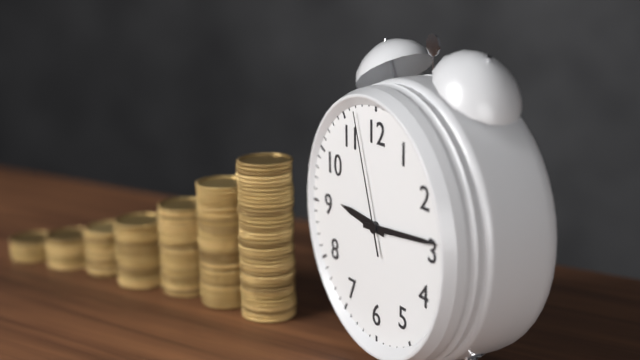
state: 9:14:57
